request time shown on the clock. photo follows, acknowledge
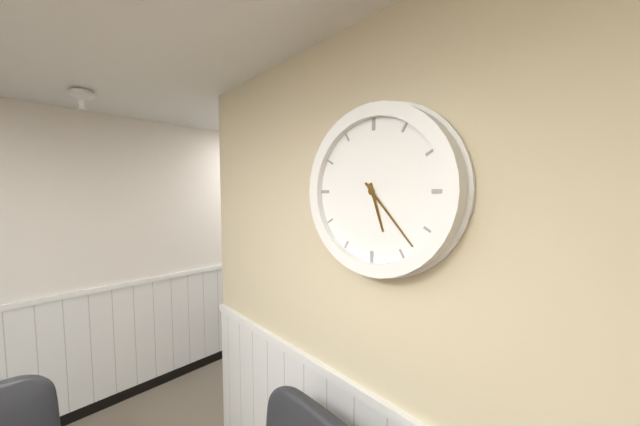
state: 5:23
